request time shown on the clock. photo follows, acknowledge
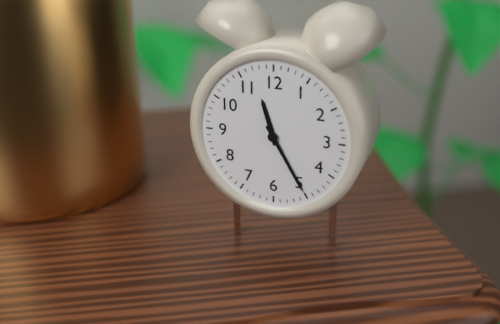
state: 11:25
